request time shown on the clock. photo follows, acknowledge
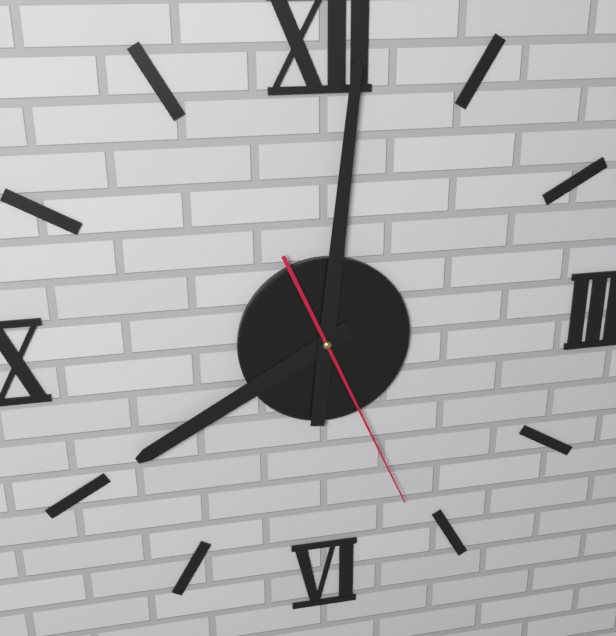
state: 8:01:26
